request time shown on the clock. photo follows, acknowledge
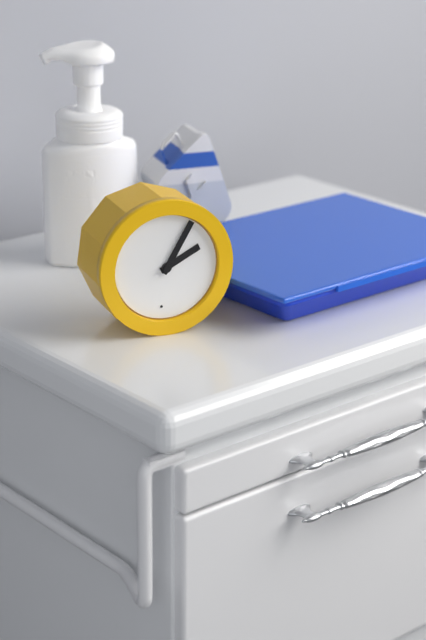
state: 2:05
